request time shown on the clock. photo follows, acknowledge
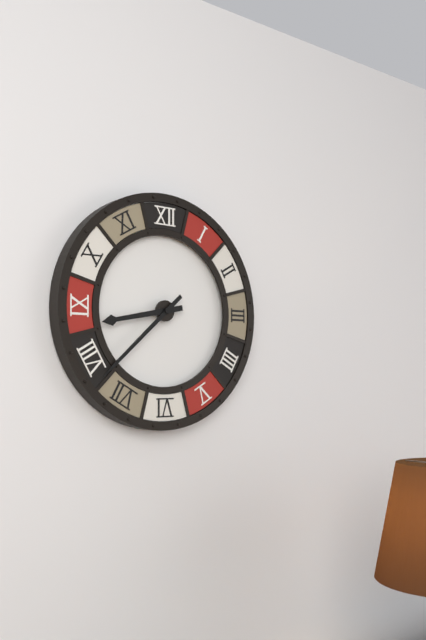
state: 8:38
